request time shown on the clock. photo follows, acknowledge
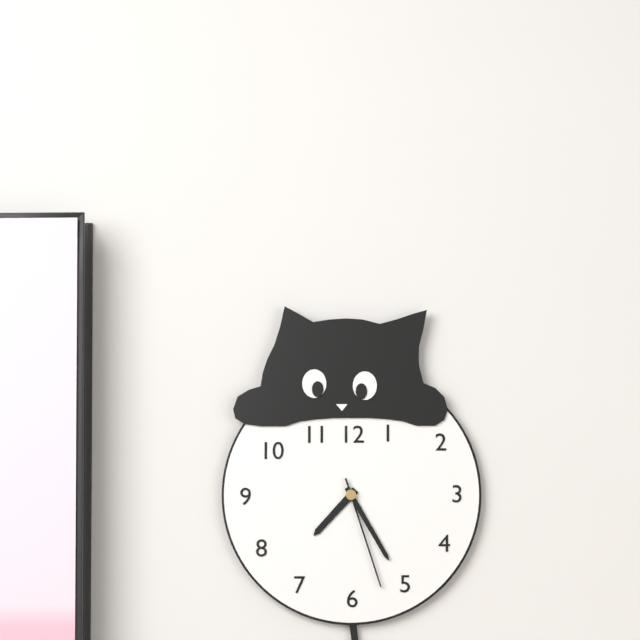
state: 7:25:27
